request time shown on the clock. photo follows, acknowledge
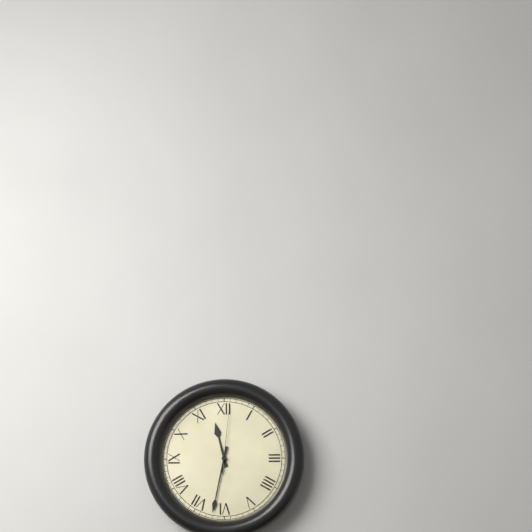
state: 11:32:01
